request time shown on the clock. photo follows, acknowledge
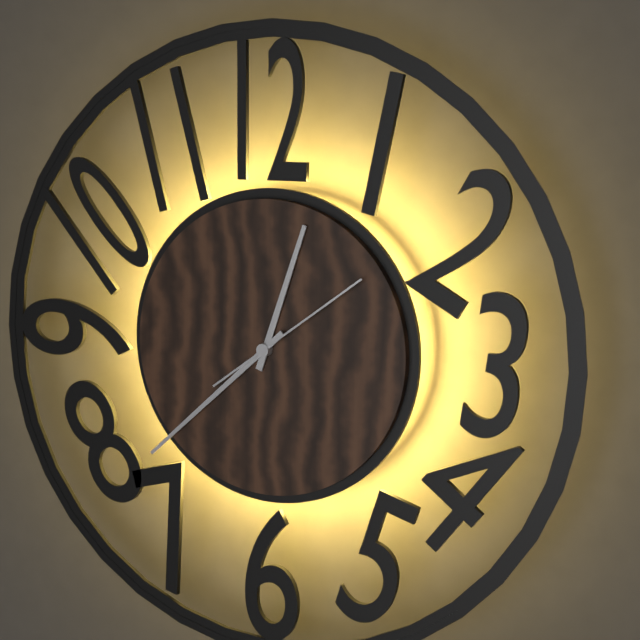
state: 12:38:09
